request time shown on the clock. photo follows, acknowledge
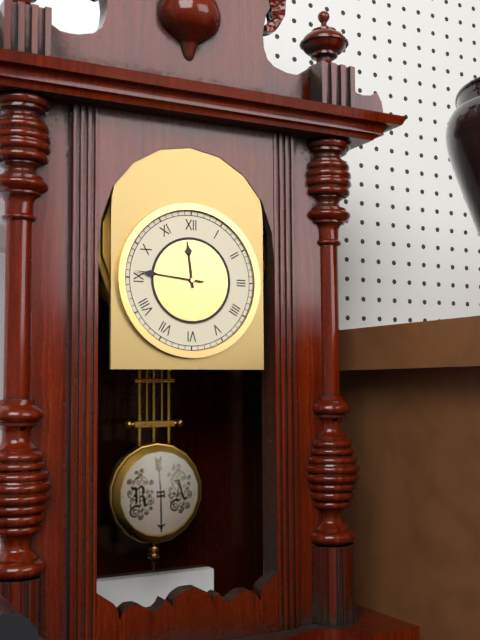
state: 11:46
